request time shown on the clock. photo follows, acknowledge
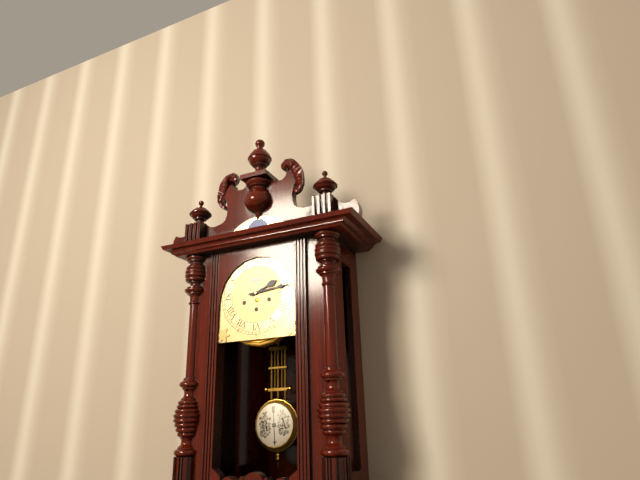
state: 2:14
